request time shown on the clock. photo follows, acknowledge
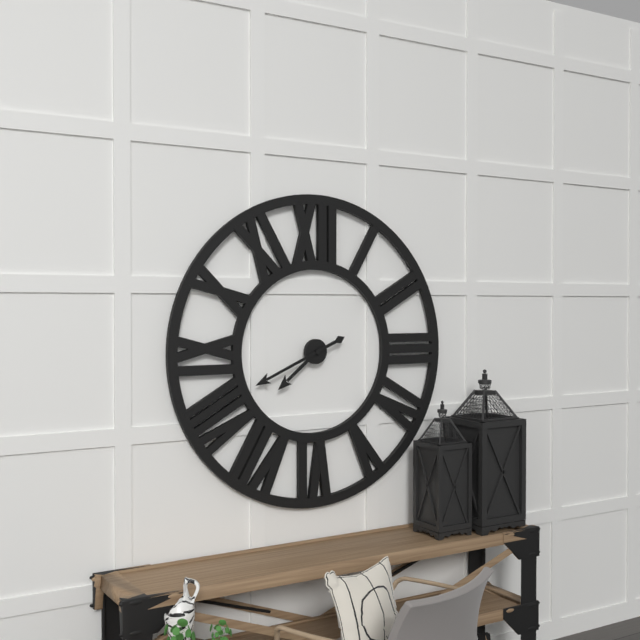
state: 7:41
